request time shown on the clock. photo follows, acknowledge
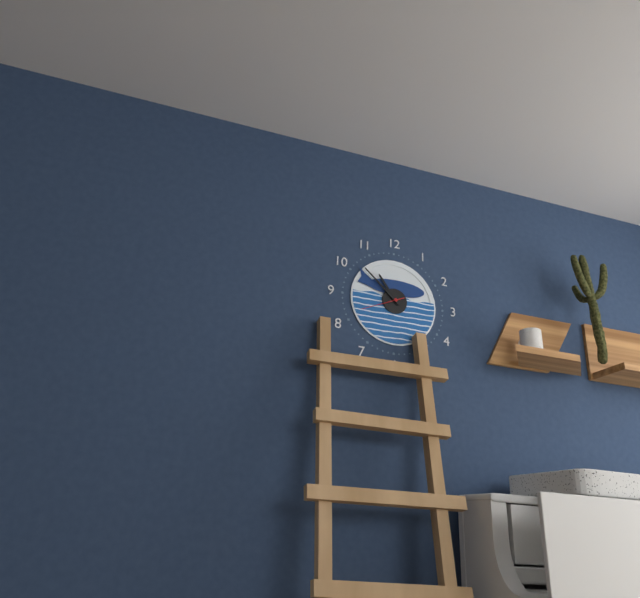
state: 10:52
